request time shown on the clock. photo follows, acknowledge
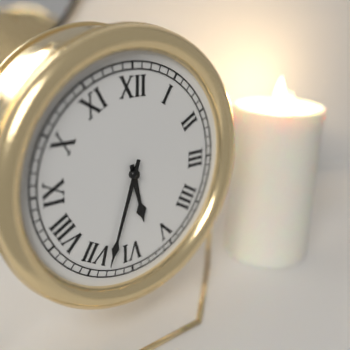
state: 5:33
